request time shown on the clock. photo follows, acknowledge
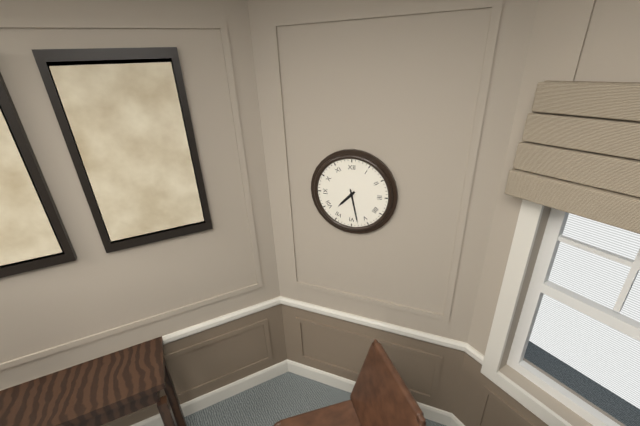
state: 7:28
